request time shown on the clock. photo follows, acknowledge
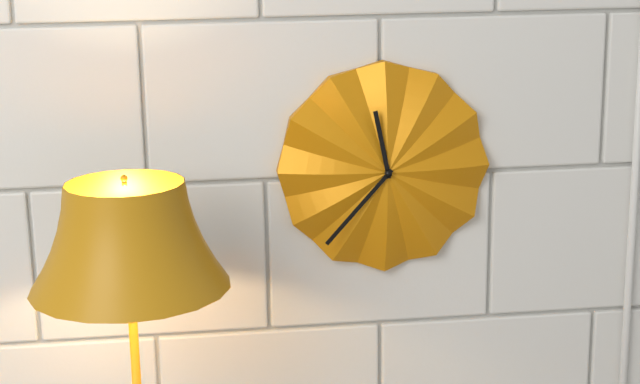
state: 11:37
